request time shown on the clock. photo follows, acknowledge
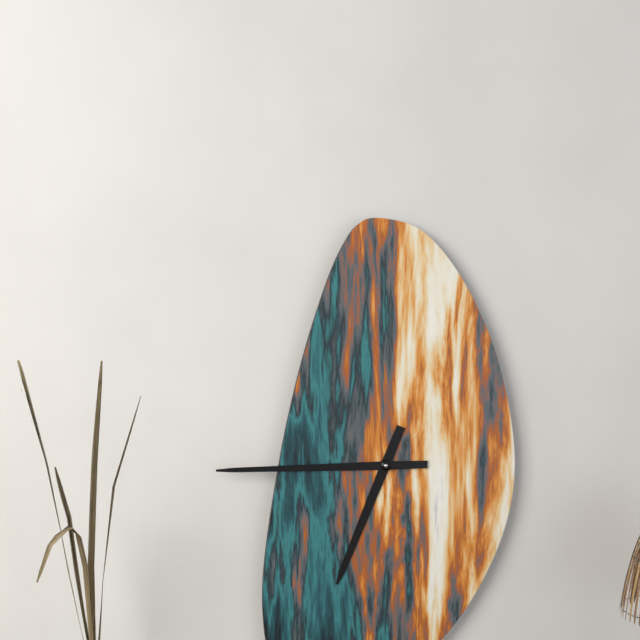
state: 6:45
